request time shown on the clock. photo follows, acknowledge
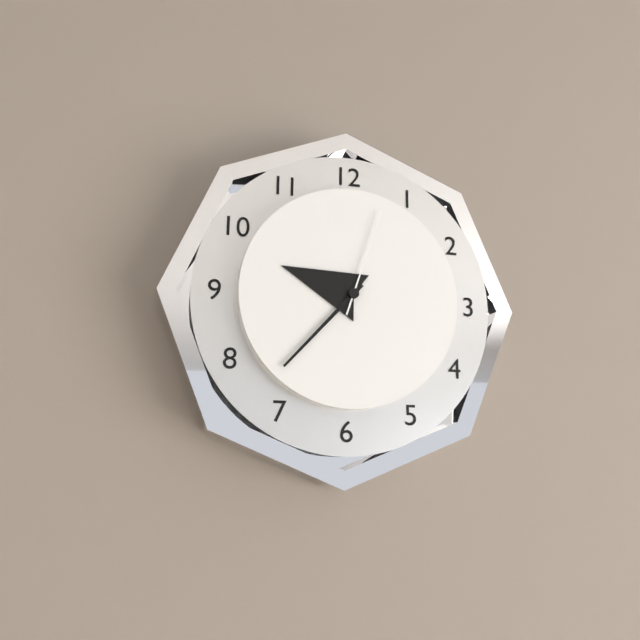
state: 9:37:03
